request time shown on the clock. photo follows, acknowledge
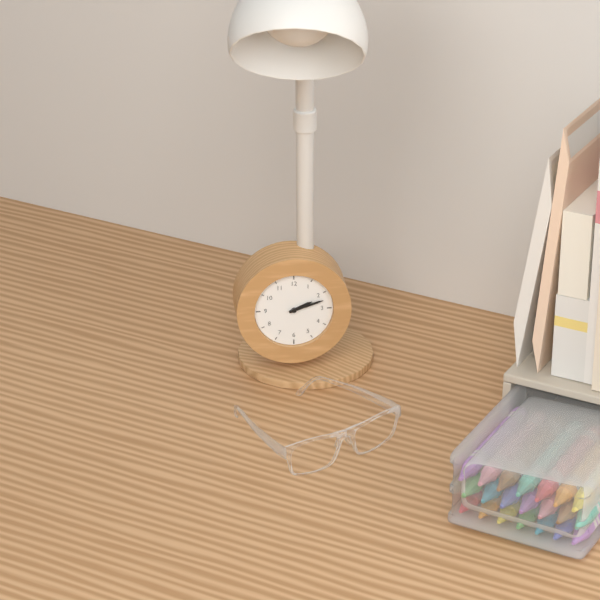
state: 2:12
